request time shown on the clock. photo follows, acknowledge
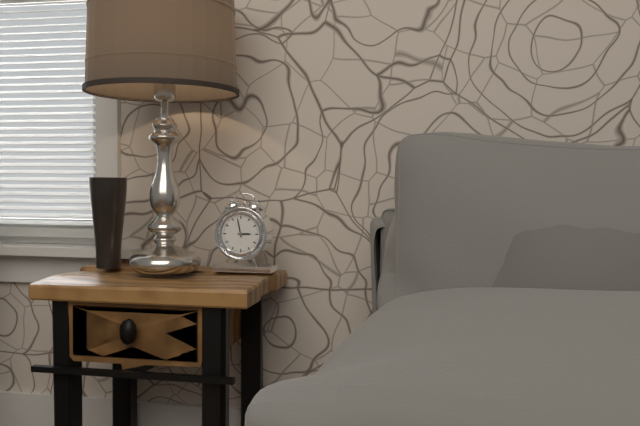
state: 2:58
